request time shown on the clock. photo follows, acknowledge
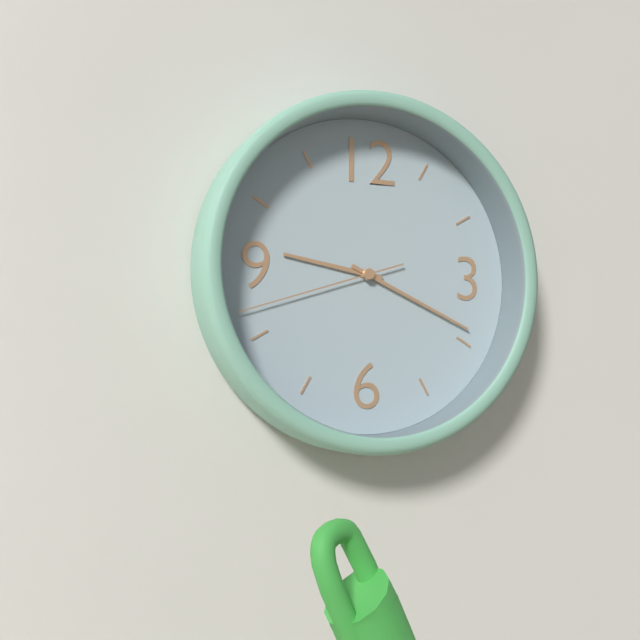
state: 9:19:42
